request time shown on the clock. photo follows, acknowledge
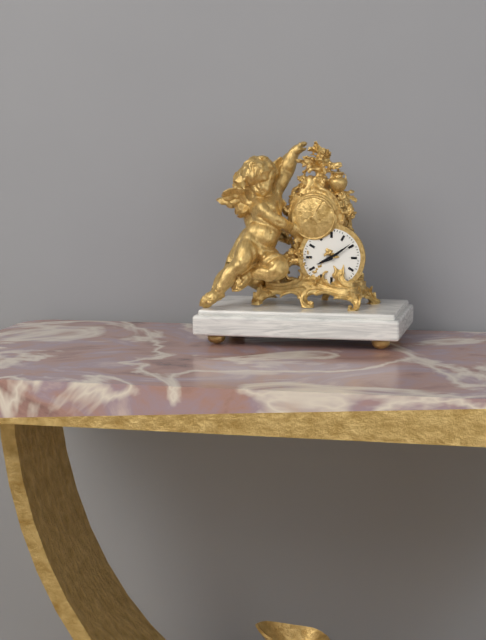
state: 8:09
